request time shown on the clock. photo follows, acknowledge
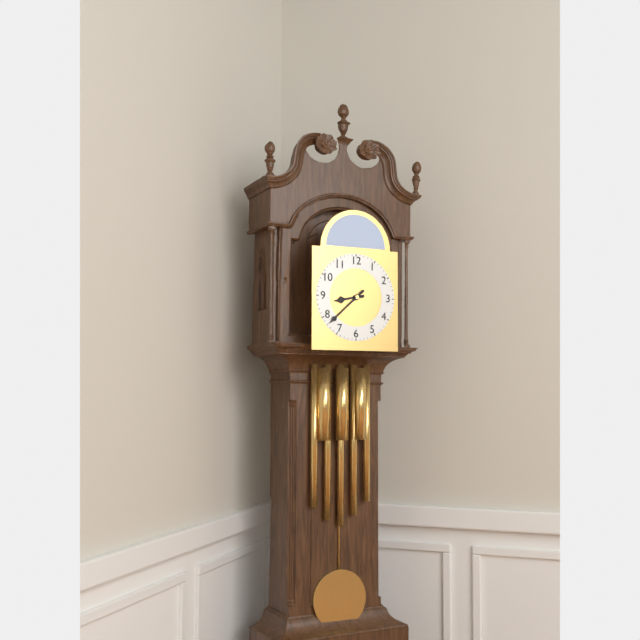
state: 8:38
